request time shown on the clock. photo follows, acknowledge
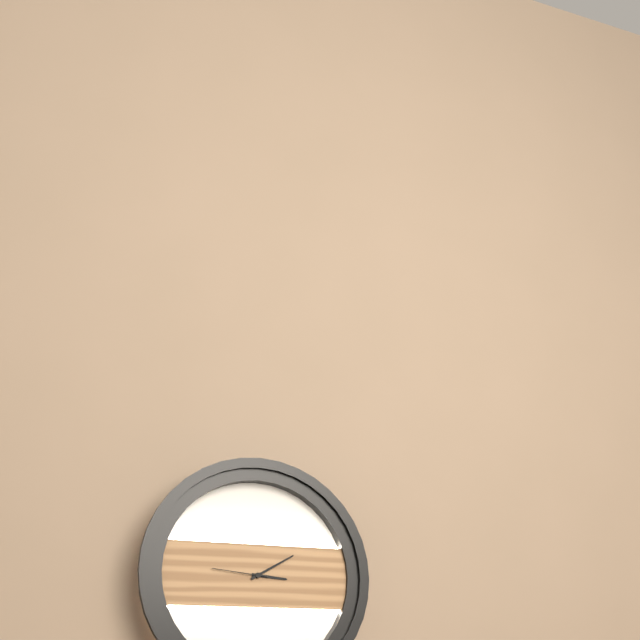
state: 3:10:46
